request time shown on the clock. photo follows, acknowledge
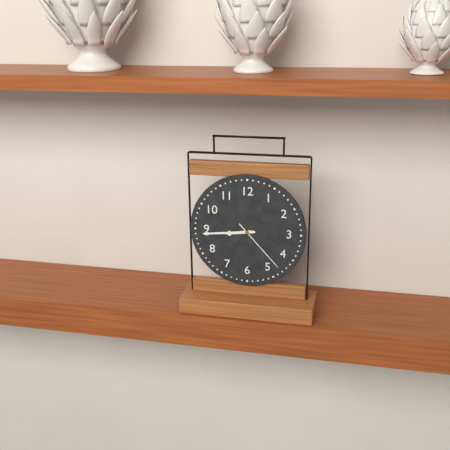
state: 8:44:23
